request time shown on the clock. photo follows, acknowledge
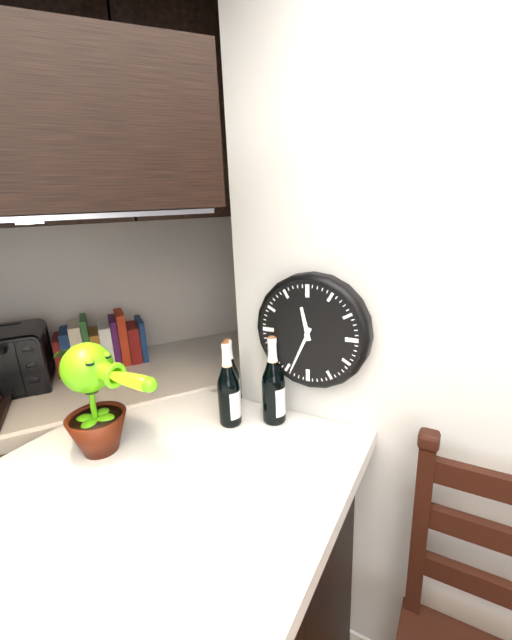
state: 11:34
